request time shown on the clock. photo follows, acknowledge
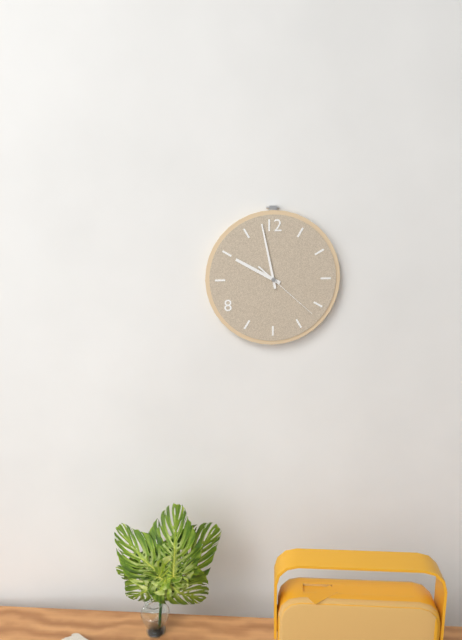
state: 9:58:22
